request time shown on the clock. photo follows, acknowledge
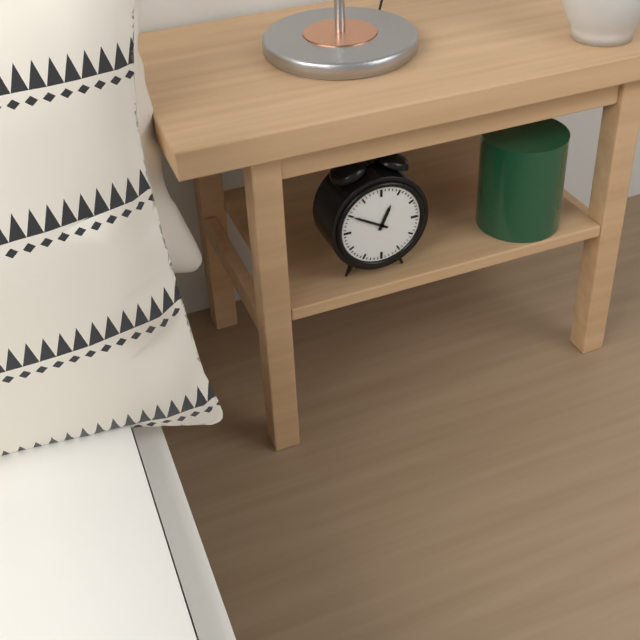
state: 12:50
